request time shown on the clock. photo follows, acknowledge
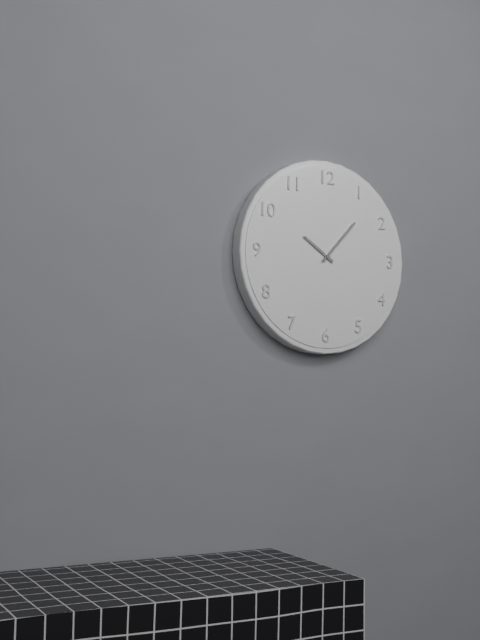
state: 10:07
